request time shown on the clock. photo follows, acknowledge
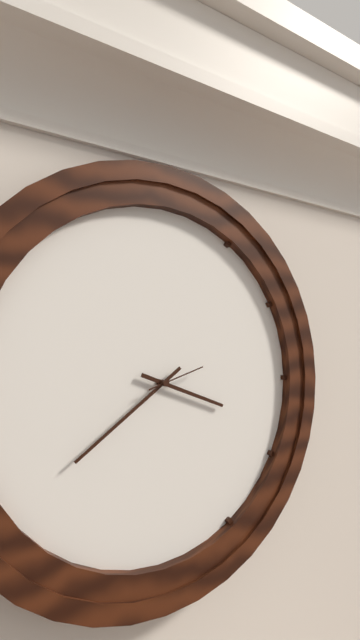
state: 3:39:12
